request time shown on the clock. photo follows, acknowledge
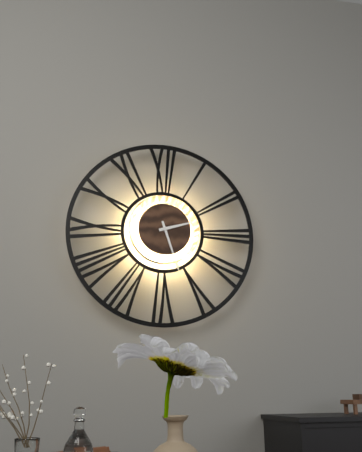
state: 2:27
